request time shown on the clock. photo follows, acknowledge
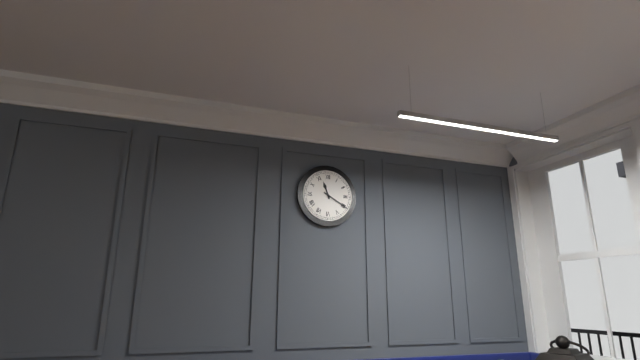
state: 11:20
